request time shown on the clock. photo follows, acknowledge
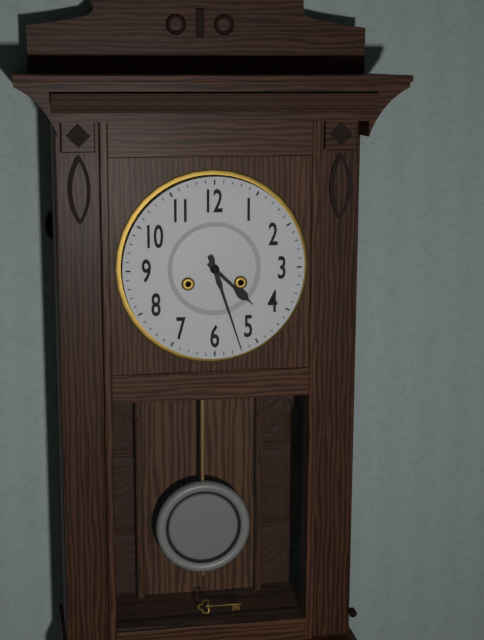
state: 4:27
